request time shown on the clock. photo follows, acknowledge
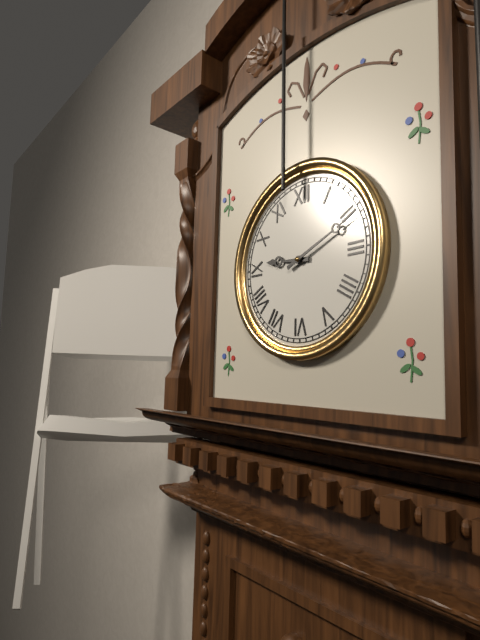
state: 9:11
